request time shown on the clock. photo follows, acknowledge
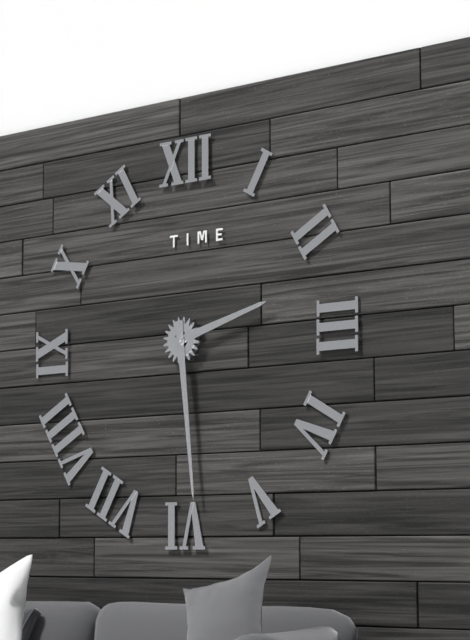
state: 2:29
